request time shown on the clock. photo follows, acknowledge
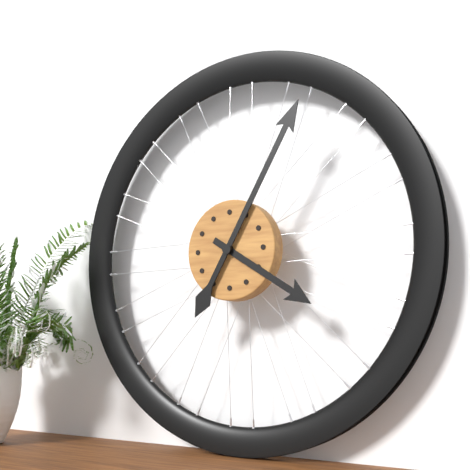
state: 4:05
